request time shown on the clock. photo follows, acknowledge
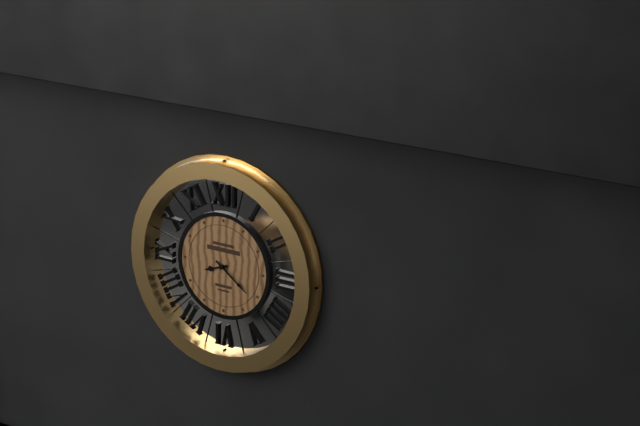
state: 8:21
